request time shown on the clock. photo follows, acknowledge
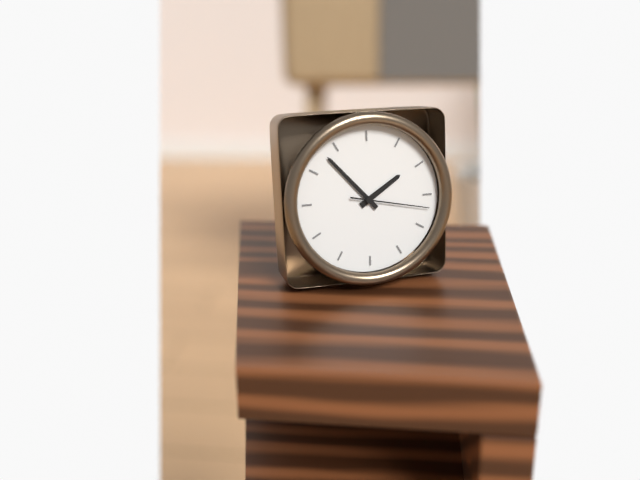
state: 1:53:17
